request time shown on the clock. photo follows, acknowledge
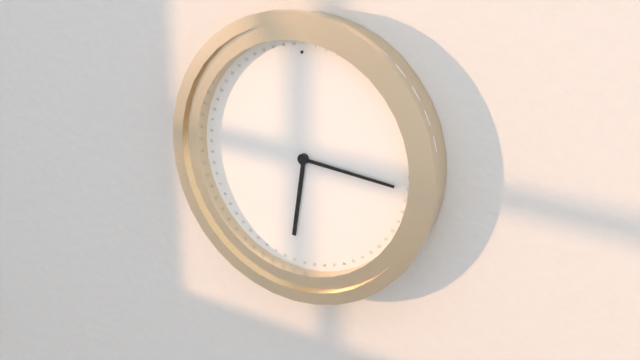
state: 6:16
